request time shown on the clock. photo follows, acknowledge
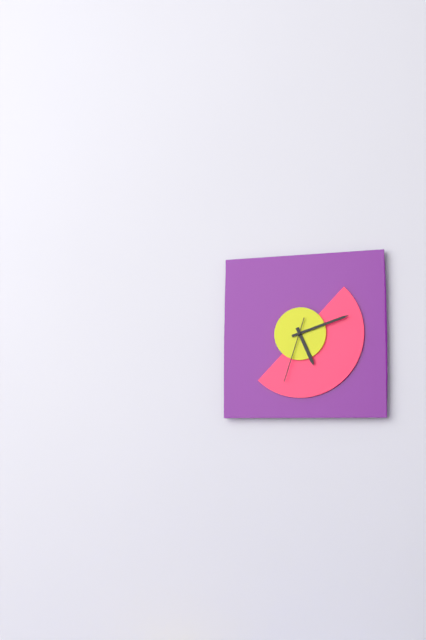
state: 5:12:33
